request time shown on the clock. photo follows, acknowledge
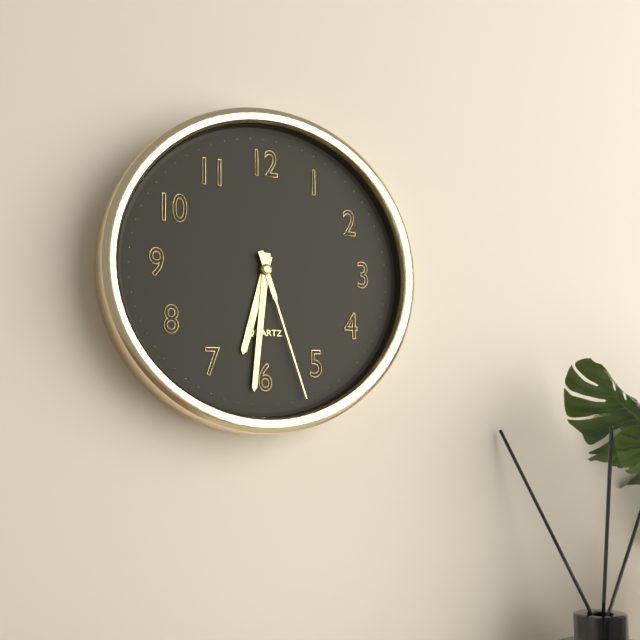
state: 6:31:27
